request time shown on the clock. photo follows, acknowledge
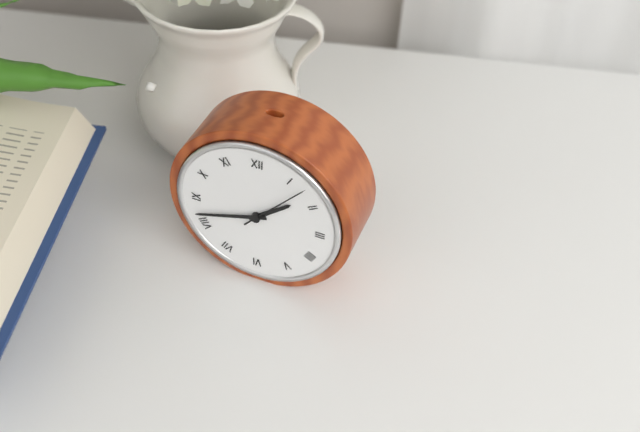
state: 1:42:07
